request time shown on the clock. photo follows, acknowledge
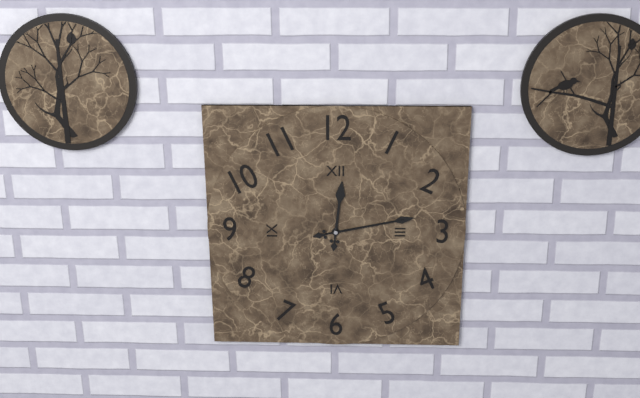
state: 12:13:13
